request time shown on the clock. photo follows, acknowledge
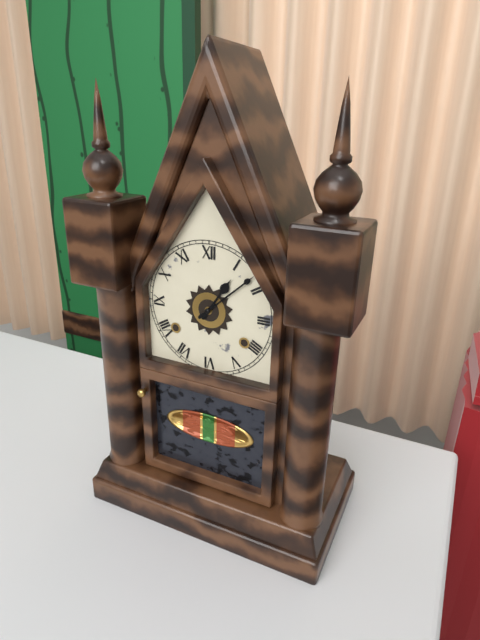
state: 1:08
